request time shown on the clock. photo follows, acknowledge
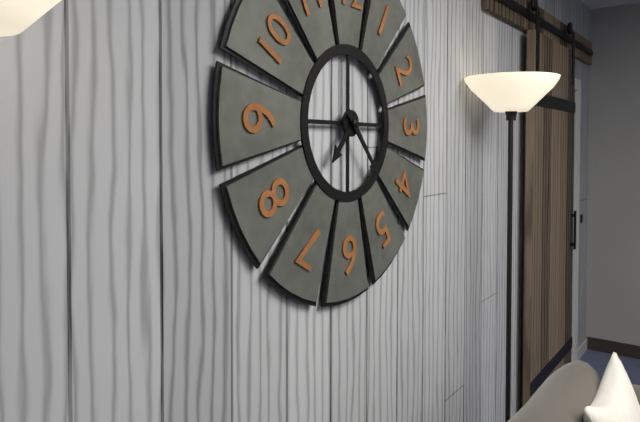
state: 7:23
